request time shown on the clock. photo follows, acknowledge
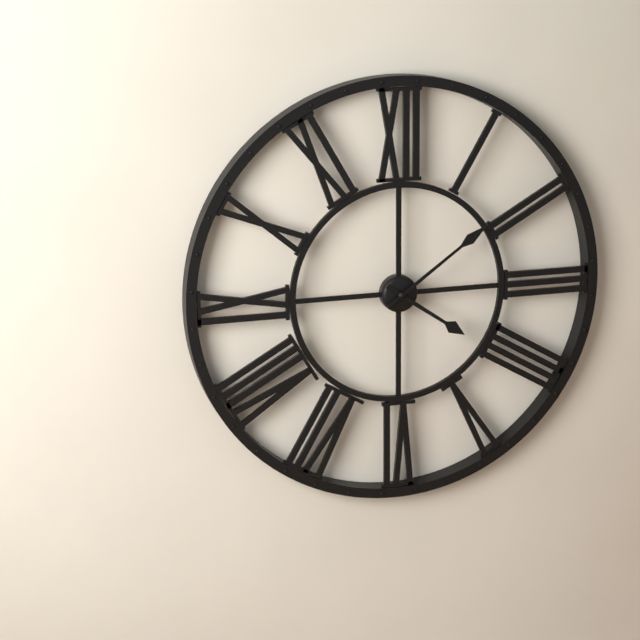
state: 4:09
